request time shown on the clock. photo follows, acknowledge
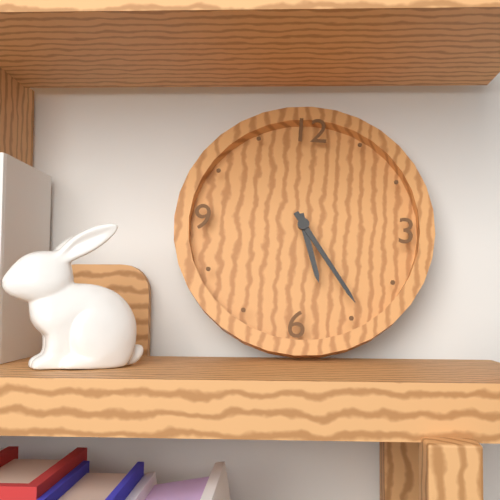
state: 5:24
